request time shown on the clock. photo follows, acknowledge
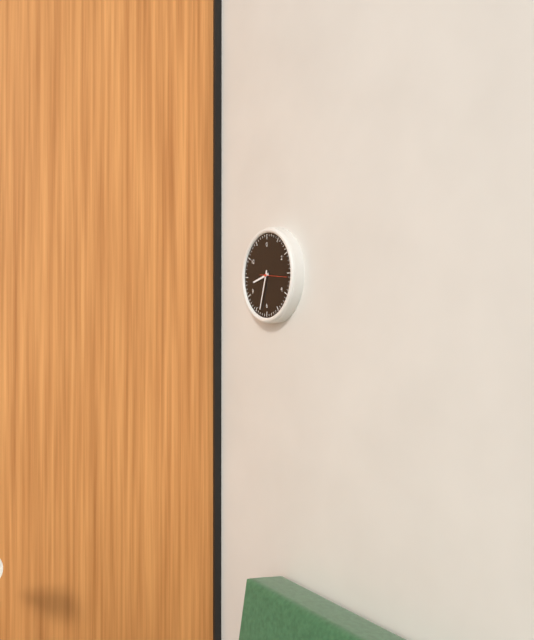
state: 8:33
